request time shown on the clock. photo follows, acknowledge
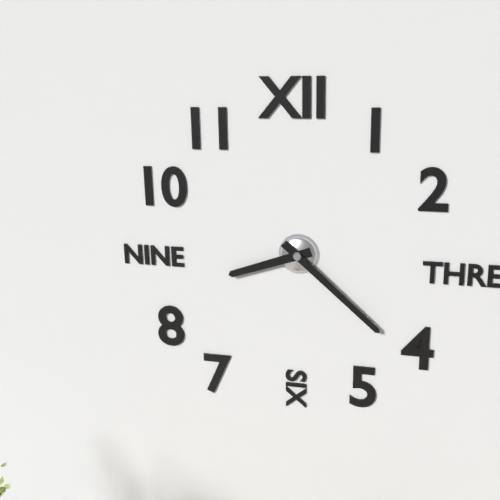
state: 8:22
